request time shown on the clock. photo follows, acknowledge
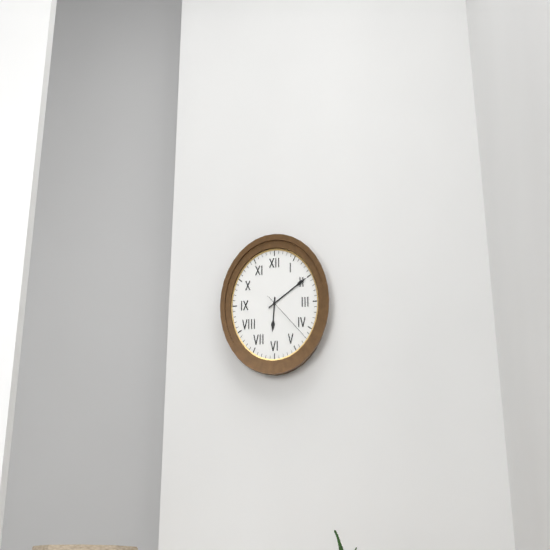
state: 6:10:22
